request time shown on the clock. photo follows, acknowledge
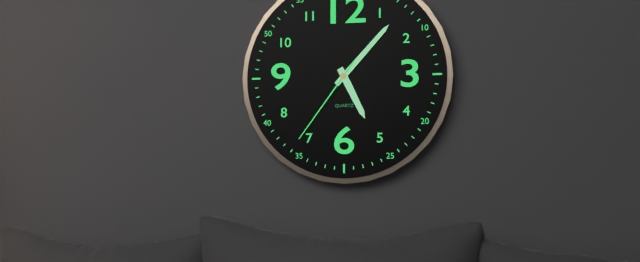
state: 5:07:36
